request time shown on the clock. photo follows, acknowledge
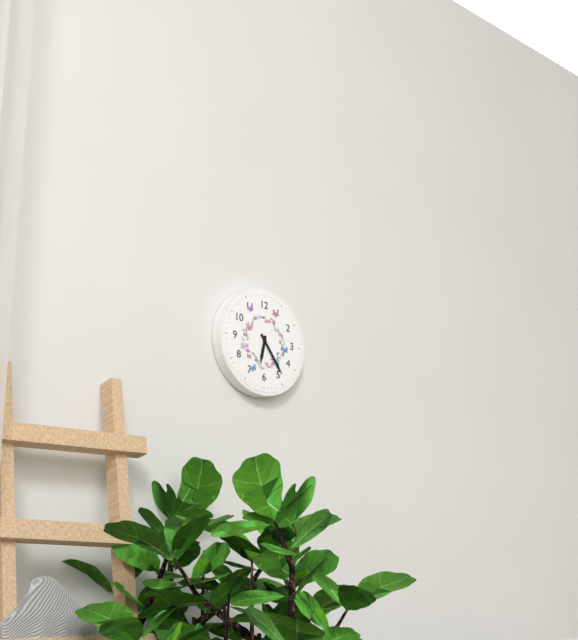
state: 6:24
